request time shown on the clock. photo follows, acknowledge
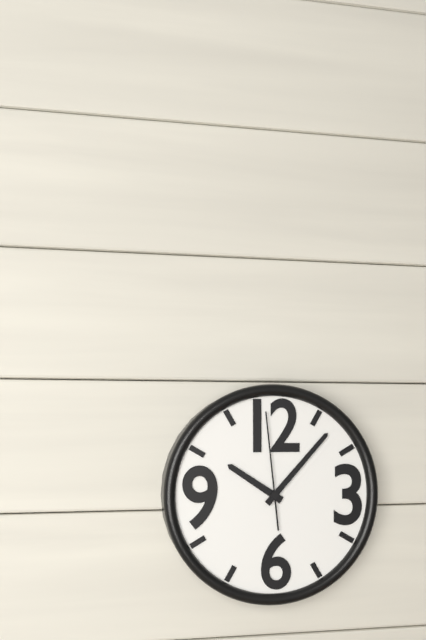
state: 10:07:59
